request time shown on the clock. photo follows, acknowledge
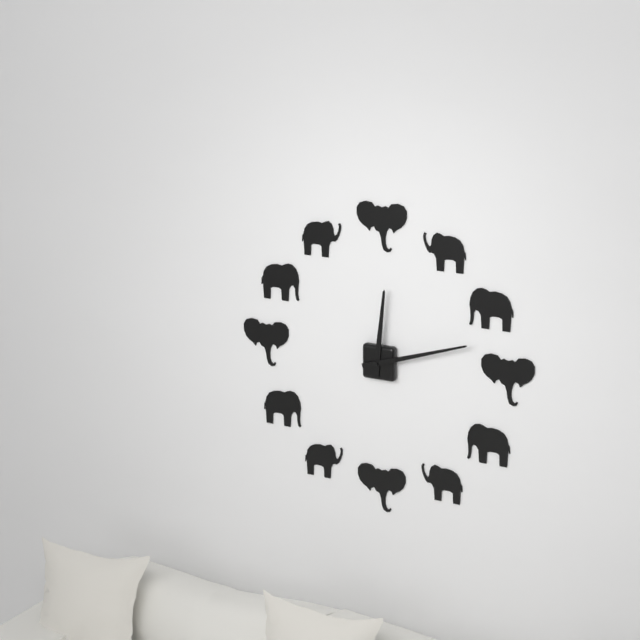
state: 12:12
